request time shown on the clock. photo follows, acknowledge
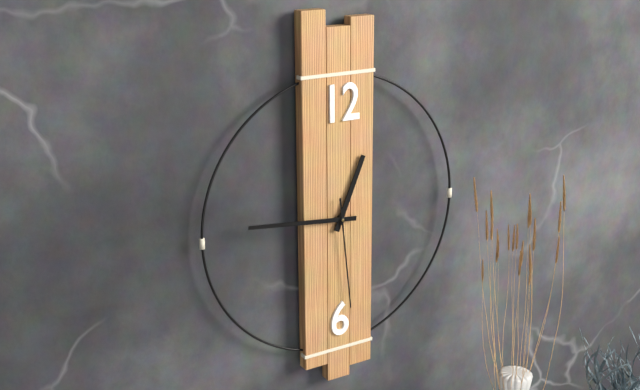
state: 12:46:29
